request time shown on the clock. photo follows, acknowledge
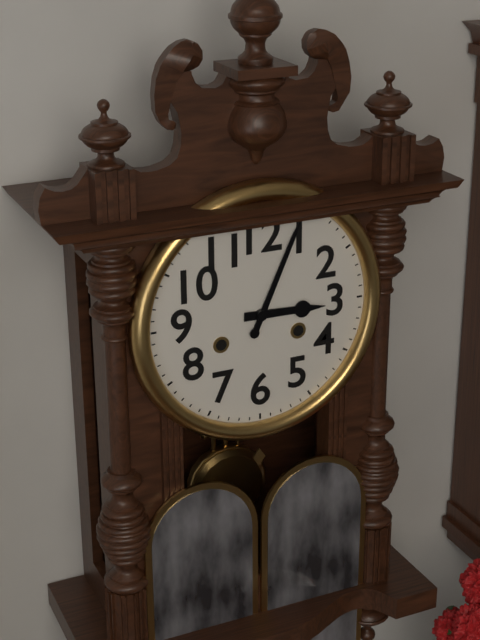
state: 3:04
